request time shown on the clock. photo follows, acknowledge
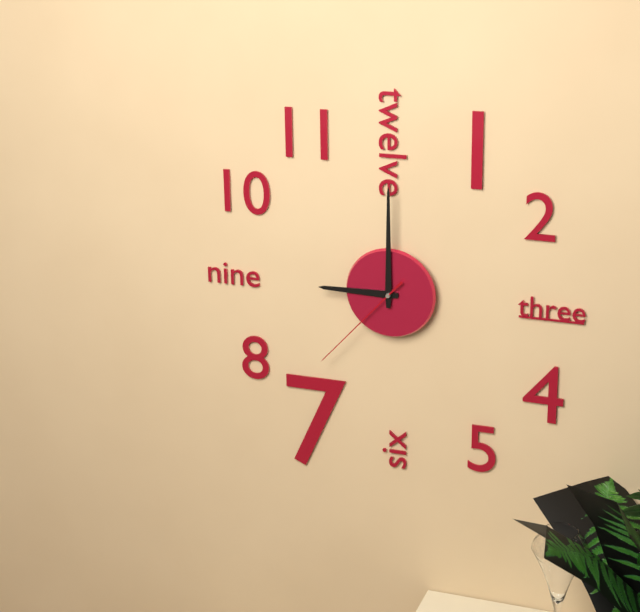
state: 9:00:37
